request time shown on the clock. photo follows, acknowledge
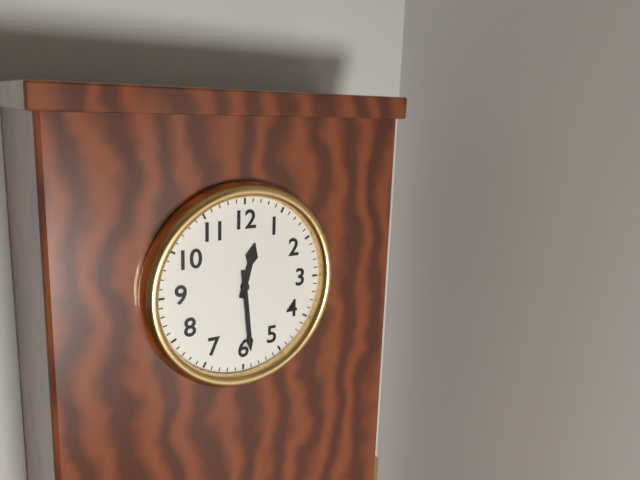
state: 12:29
